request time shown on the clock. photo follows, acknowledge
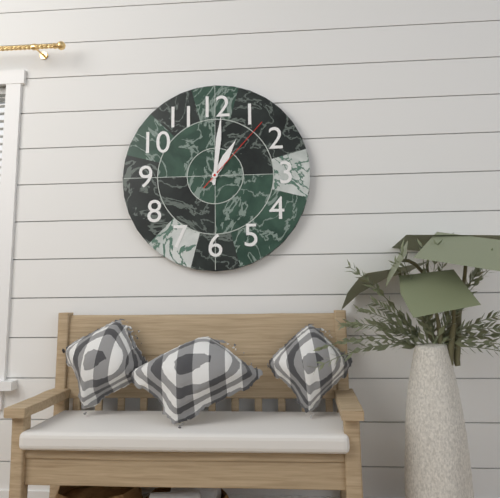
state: 1:01:07
